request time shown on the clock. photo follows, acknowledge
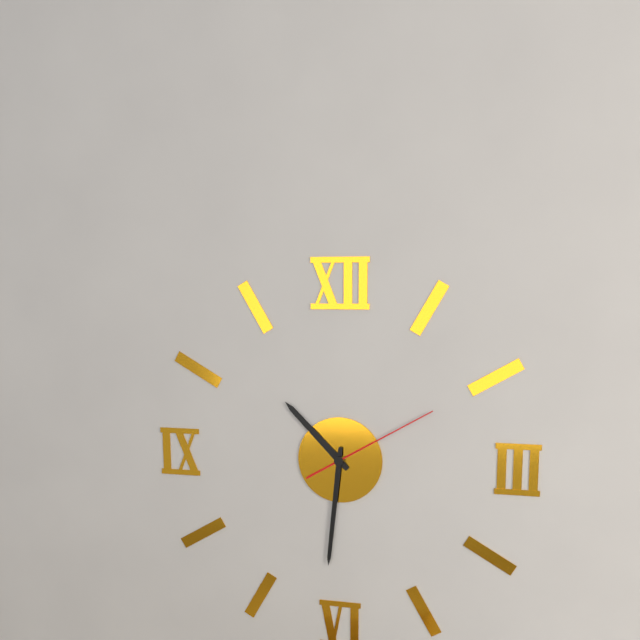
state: 10:31:10
